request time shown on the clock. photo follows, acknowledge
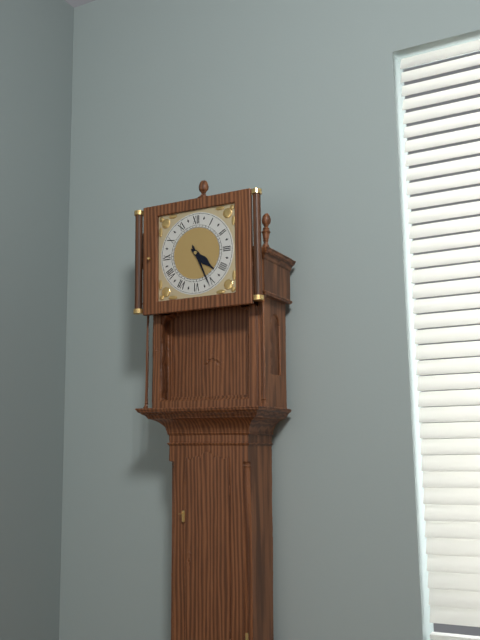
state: 4:26
